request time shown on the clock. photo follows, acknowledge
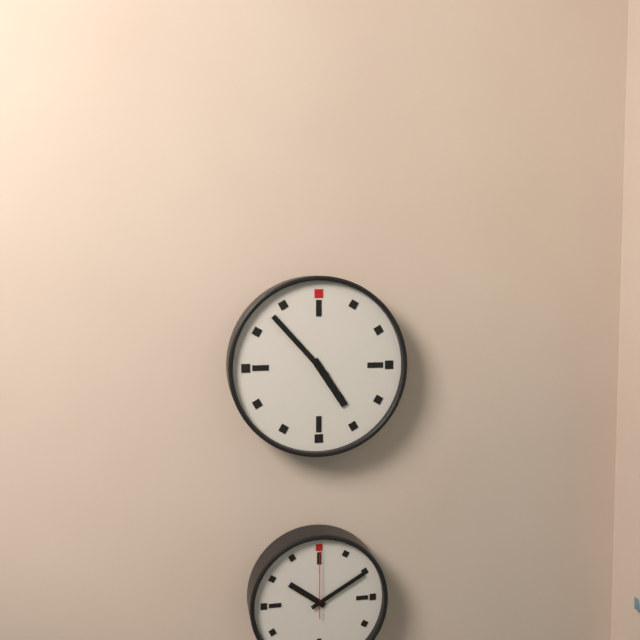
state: 4:53
